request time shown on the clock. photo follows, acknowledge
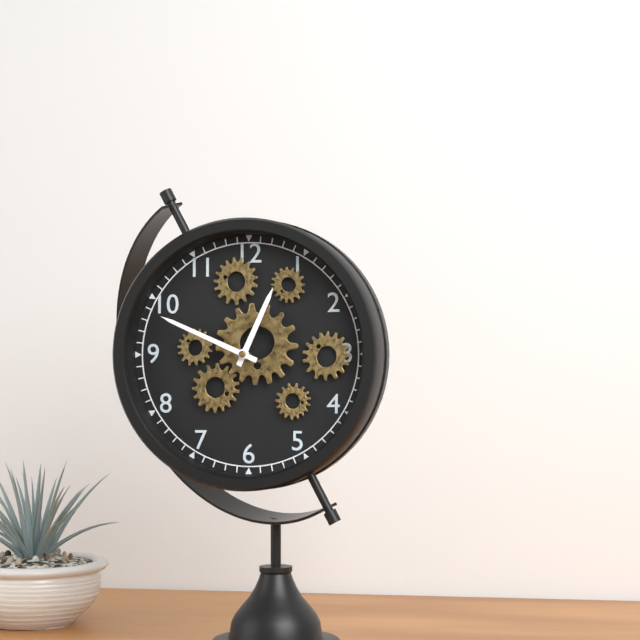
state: 12:49
